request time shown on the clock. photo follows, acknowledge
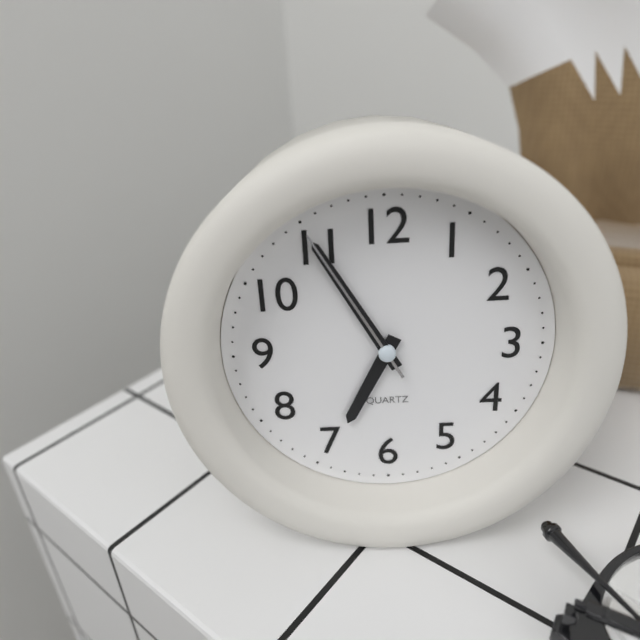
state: 6:55:55
